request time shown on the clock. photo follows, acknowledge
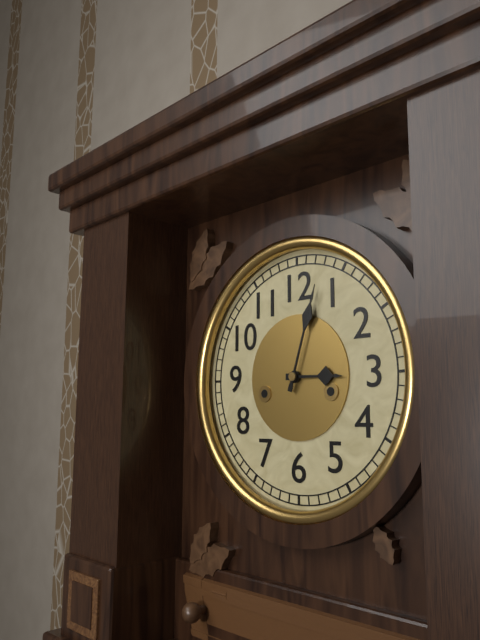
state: 3:03
